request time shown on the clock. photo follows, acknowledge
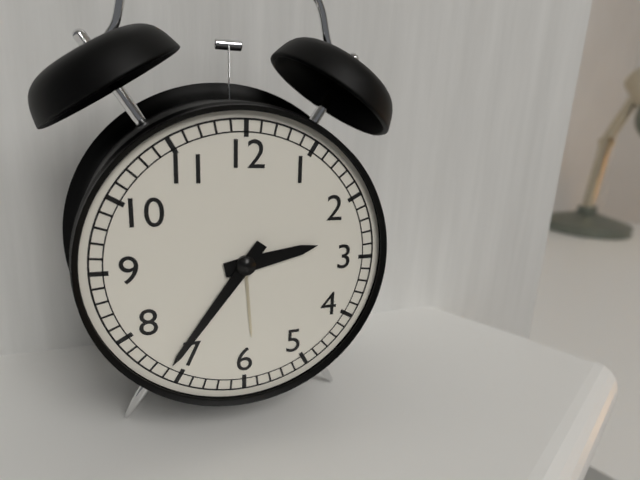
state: 2:36
